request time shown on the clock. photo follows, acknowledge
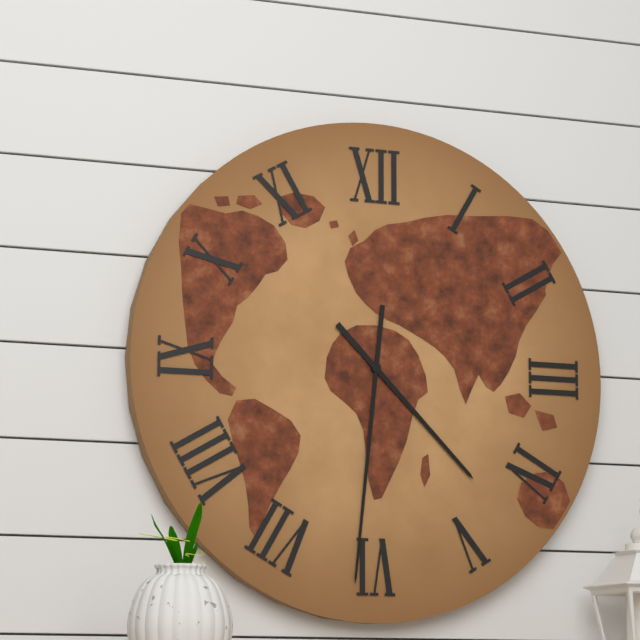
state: 4:31
